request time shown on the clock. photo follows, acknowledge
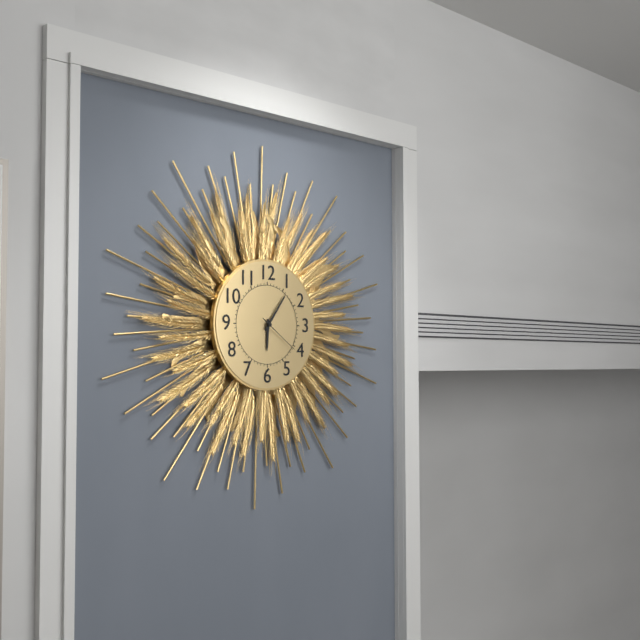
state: 6:06
